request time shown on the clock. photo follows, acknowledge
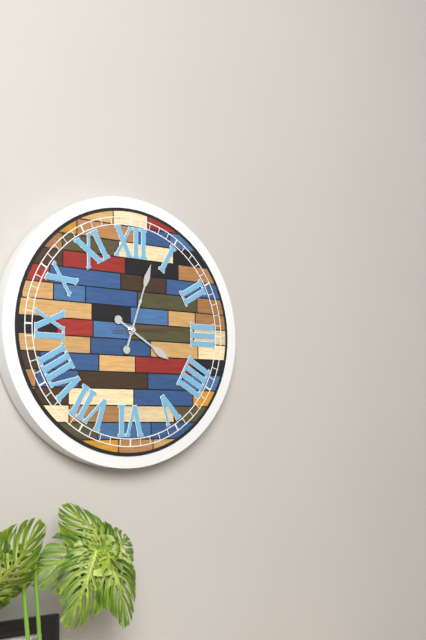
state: 4:03:14
